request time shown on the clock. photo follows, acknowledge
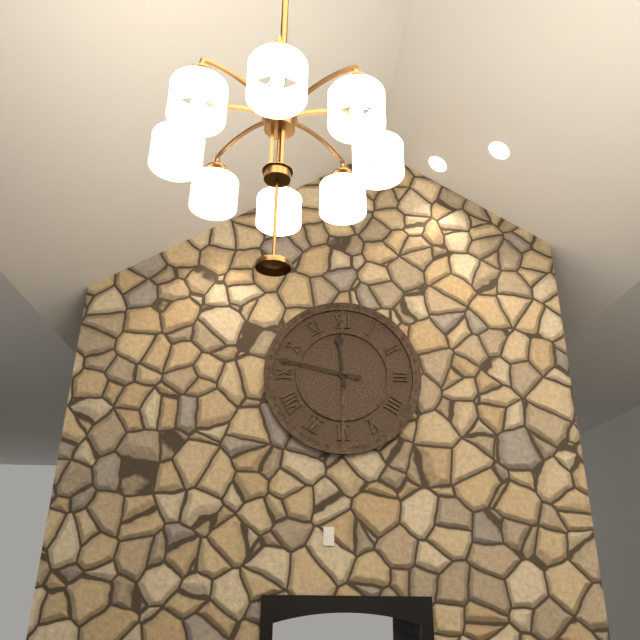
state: 11:47
